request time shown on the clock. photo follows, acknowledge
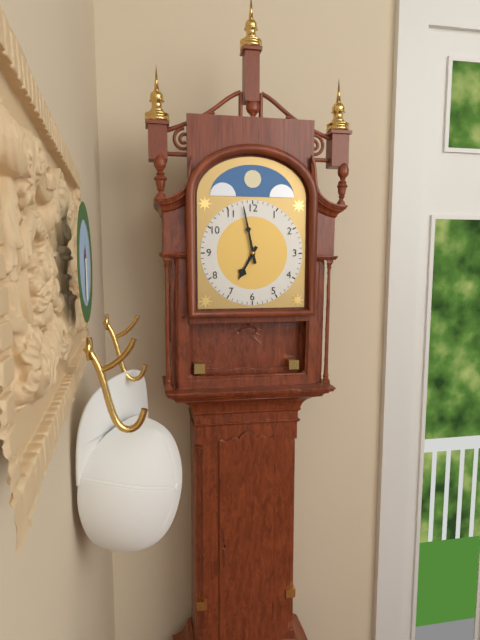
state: 6:58
